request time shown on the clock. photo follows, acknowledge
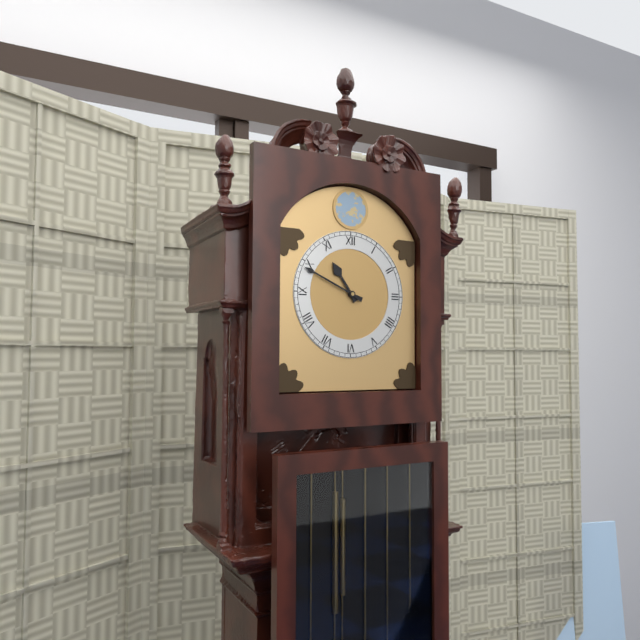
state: 10:49
